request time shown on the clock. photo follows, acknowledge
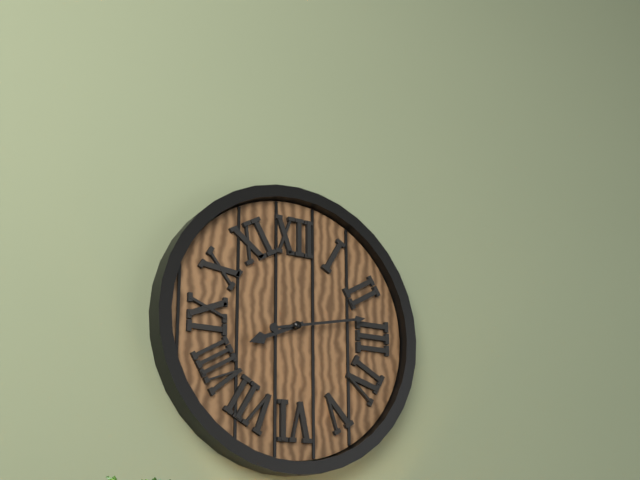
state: 8:13
